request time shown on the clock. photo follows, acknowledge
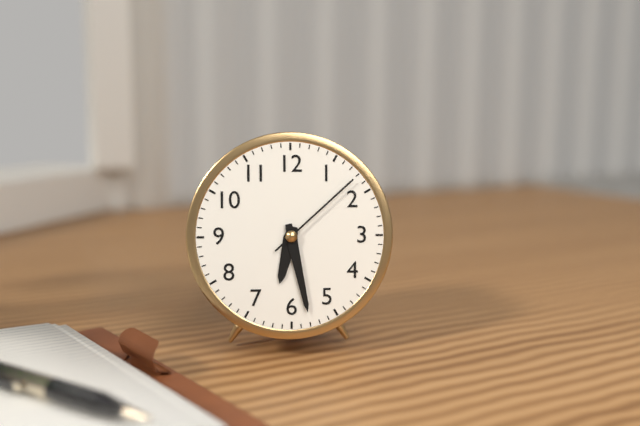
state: 6:28:08
